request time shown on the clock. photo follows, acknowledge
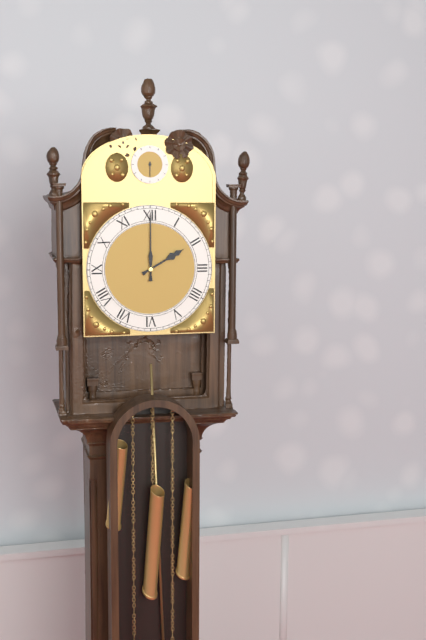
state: 2:00
